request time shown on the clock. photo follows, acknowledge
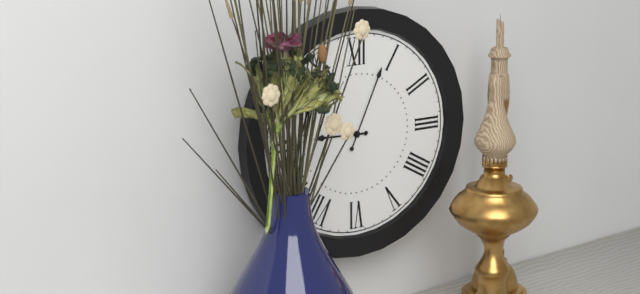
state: 9:04
